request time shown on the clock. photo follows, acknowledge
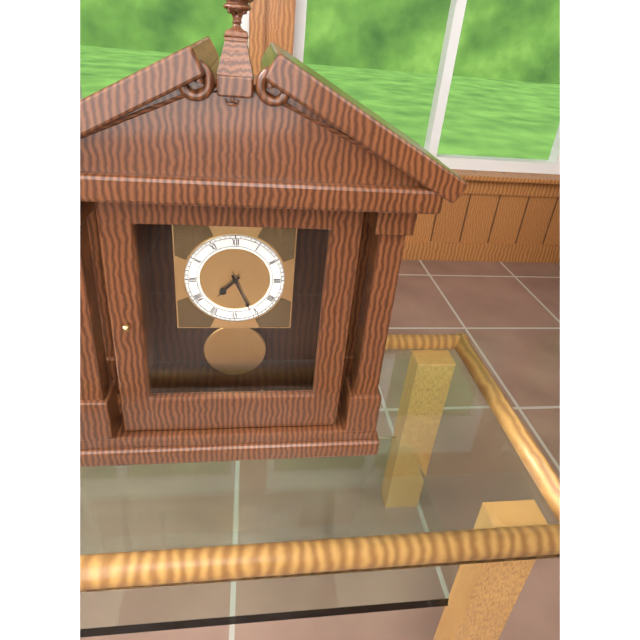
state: 7:26
